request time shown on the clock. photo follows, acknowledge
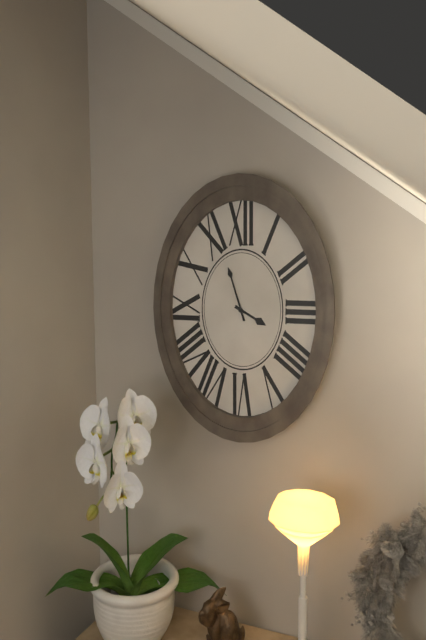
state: 3:57
